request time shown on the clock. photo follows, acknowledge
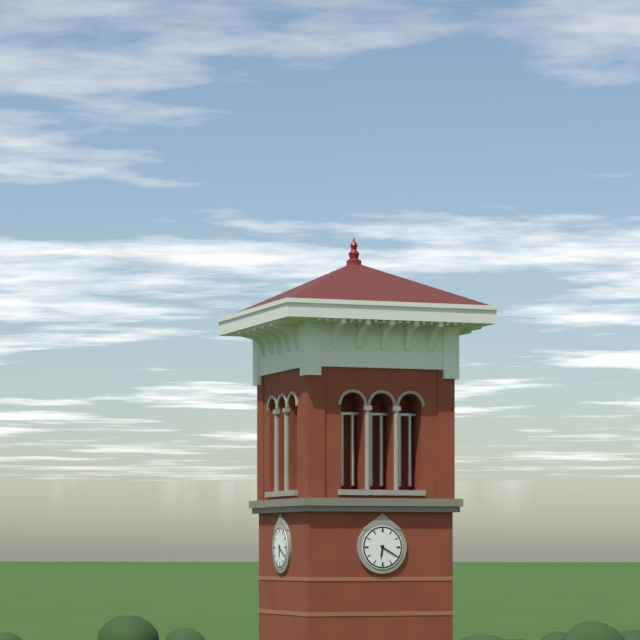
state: 6:20
